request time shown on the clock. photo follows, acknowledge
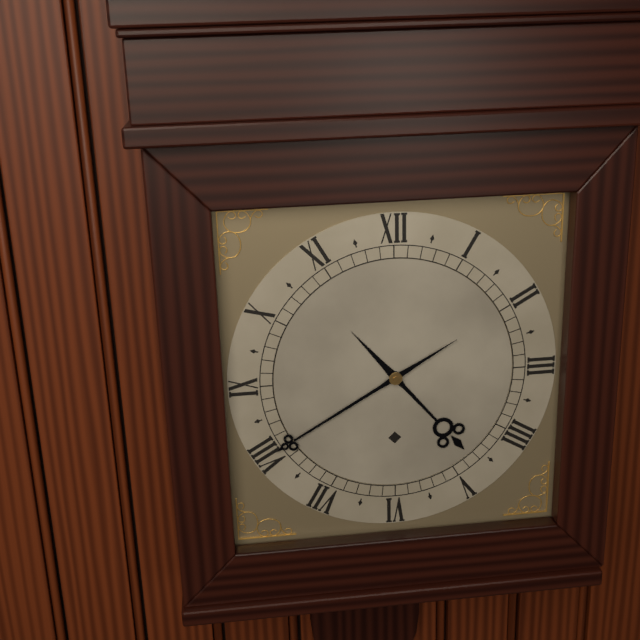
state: 4:40
